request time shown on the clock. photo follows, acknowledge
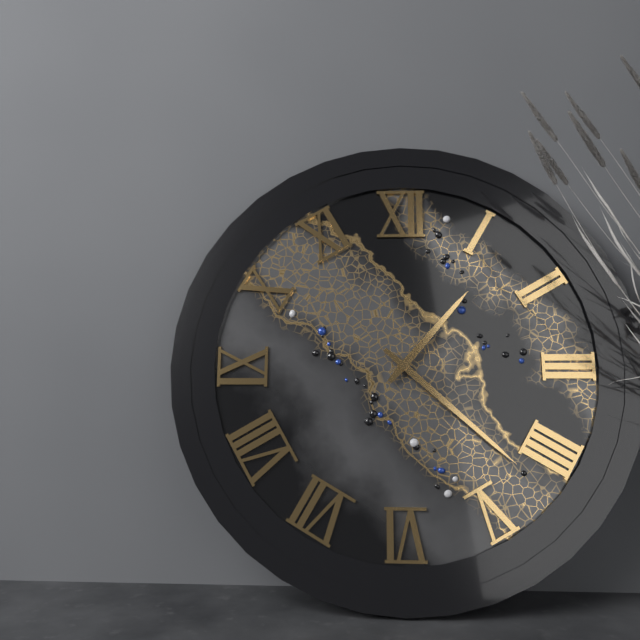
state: 1:22
